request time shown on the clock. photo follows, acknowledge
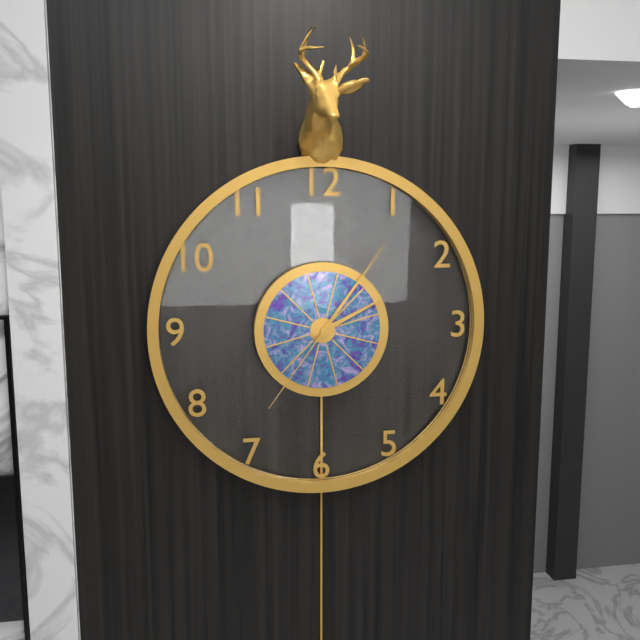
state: 2:06:36
